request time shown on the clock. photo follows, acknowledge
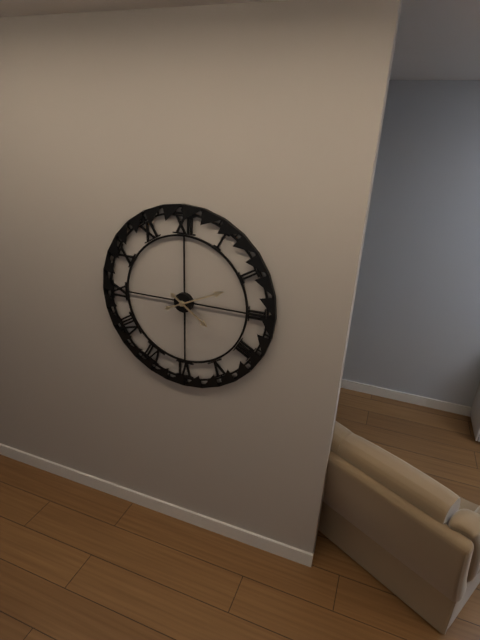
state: 4:11
